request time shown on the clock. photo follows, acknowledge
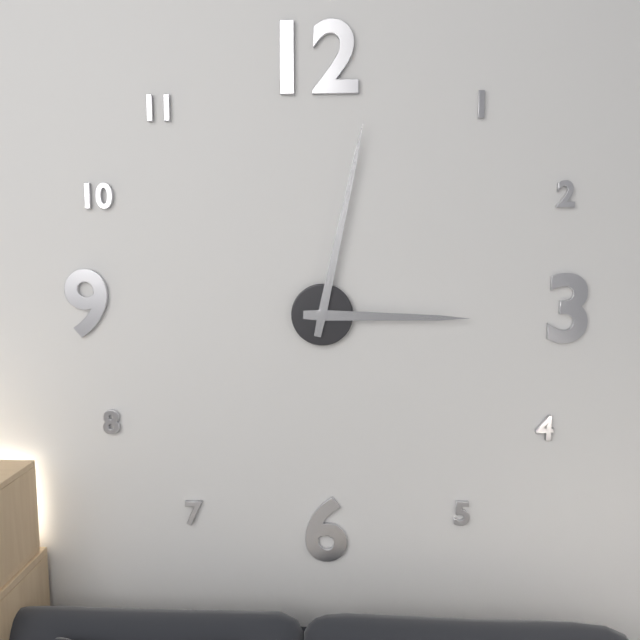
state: 3:02
